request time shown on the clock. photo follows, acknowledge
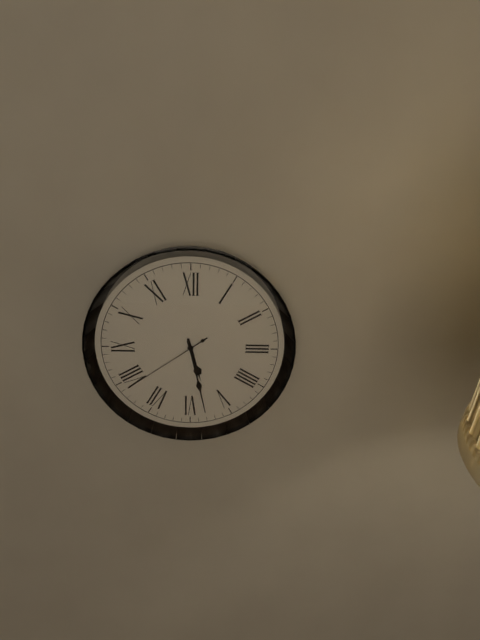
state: 5:28:39
